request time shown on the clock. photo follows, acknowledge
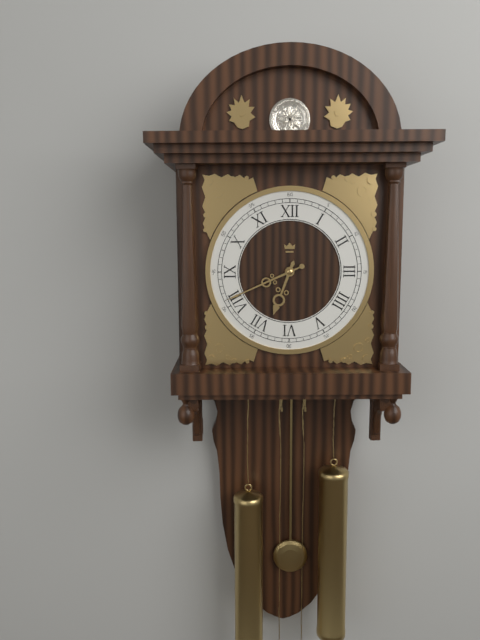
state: 6:41
